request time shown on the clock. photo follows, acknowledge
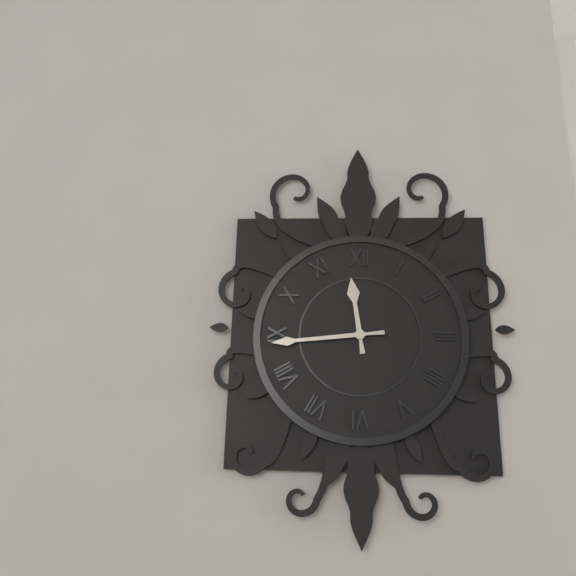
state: 11:44
